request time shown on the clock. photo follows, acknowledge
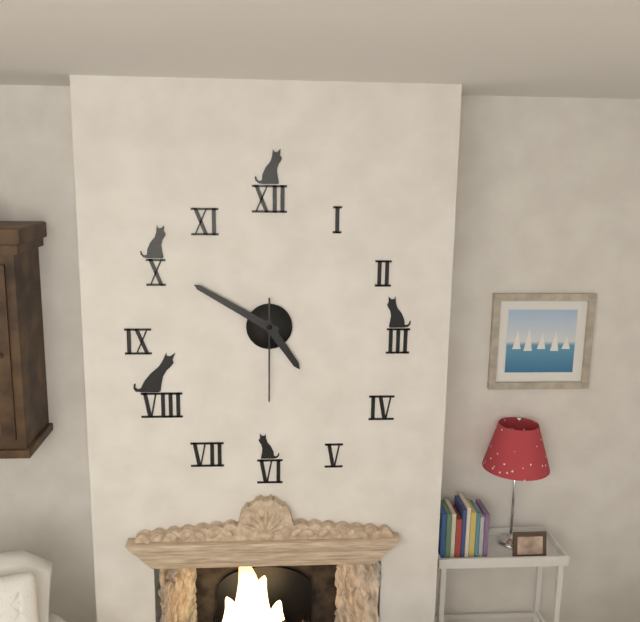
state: 4:50:30
